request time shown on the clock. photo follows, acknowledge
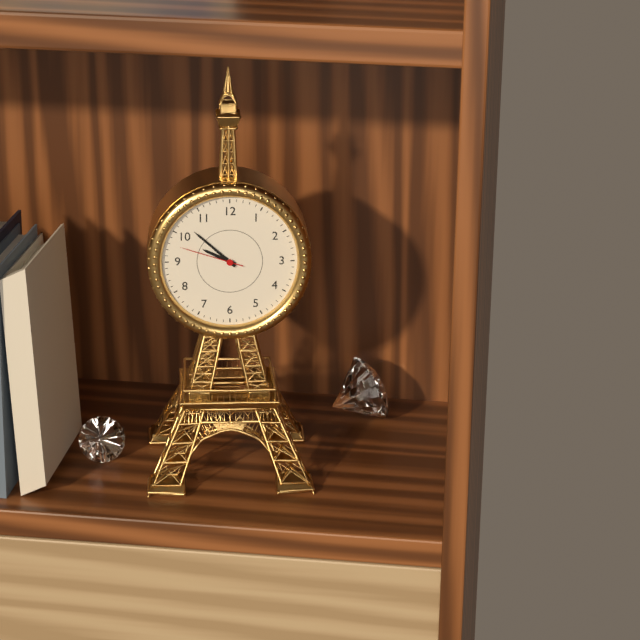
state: 9:52:48
